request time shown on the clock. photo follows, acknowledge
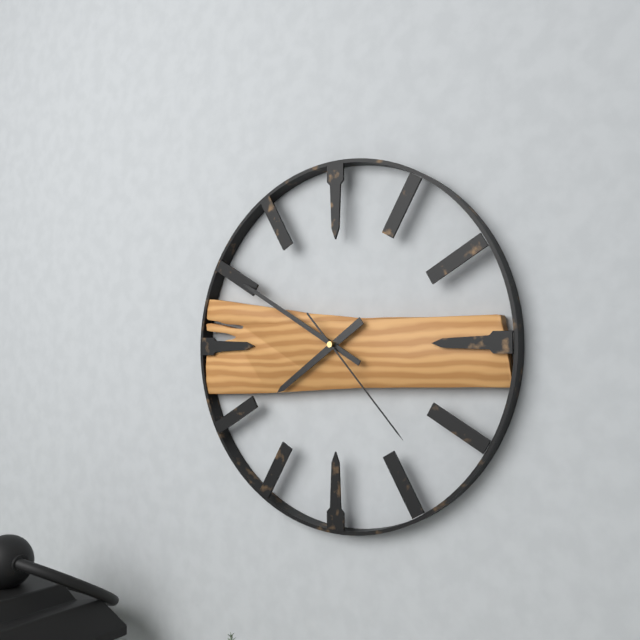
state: 7:50:23
